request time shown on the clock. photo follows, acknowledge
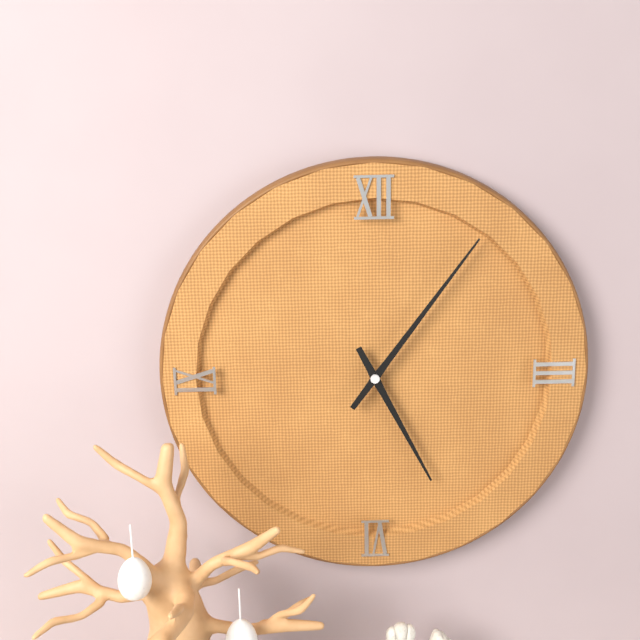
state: 5:06
